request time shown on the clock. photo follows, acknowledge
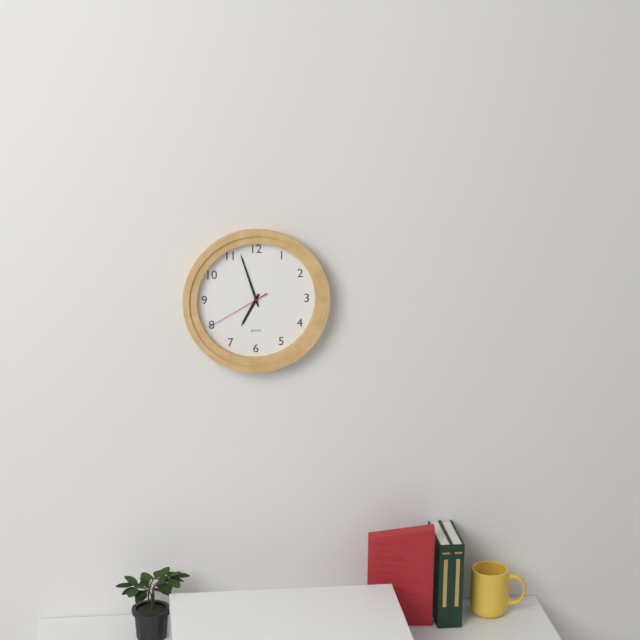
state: 6:57:40
